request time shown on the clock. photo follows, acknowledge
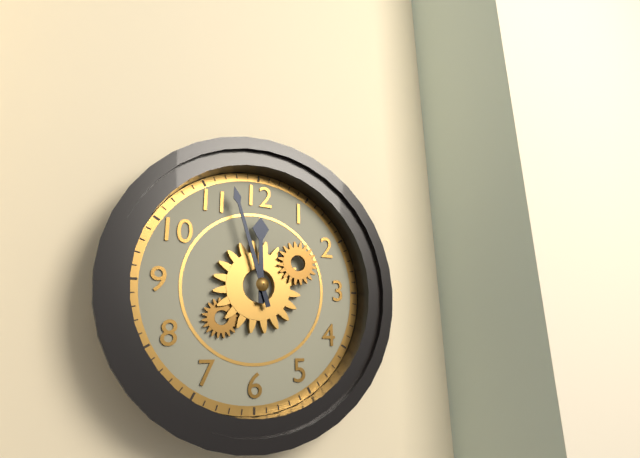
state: 11:57
